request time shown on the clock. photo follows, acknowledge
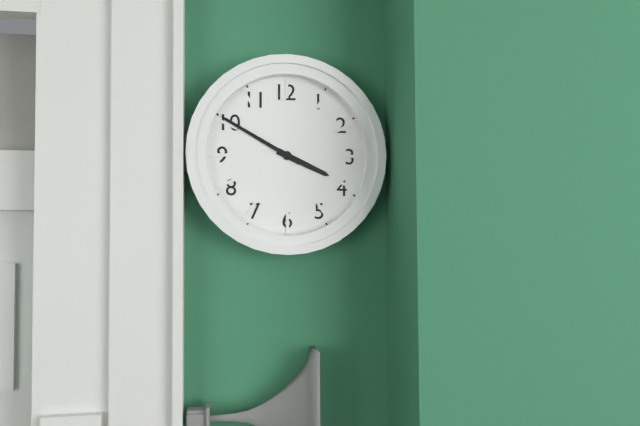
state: 3:50
